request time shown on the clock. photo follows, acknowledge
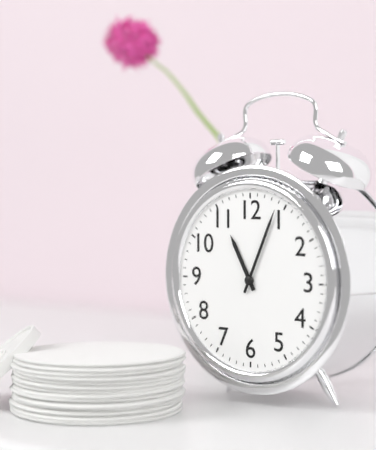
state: 11:04
